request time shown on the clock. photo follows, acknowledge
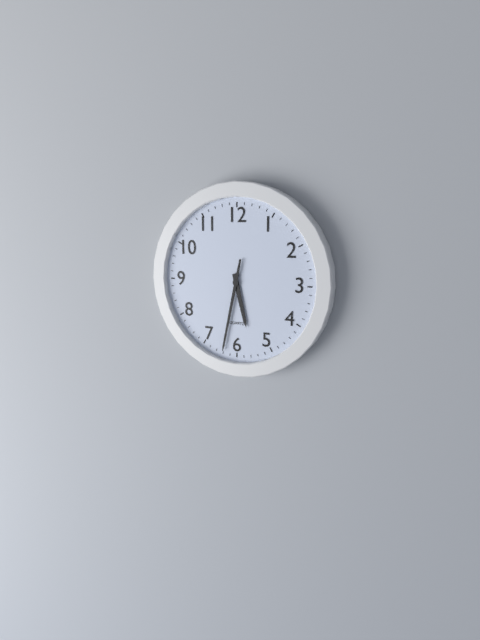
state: 5:32
